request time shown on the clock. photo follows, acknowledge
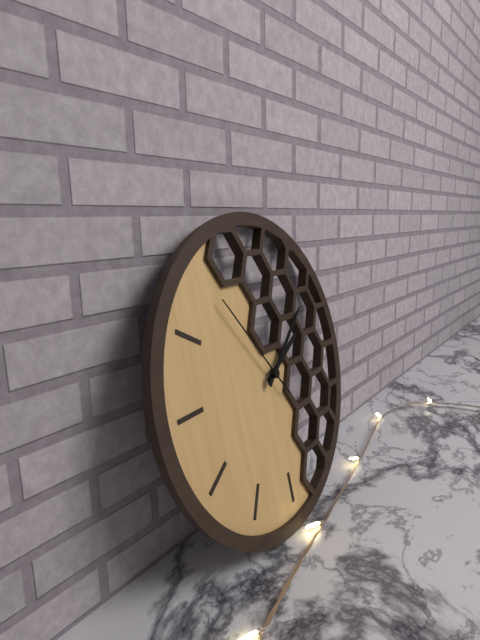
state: 2:09:54
